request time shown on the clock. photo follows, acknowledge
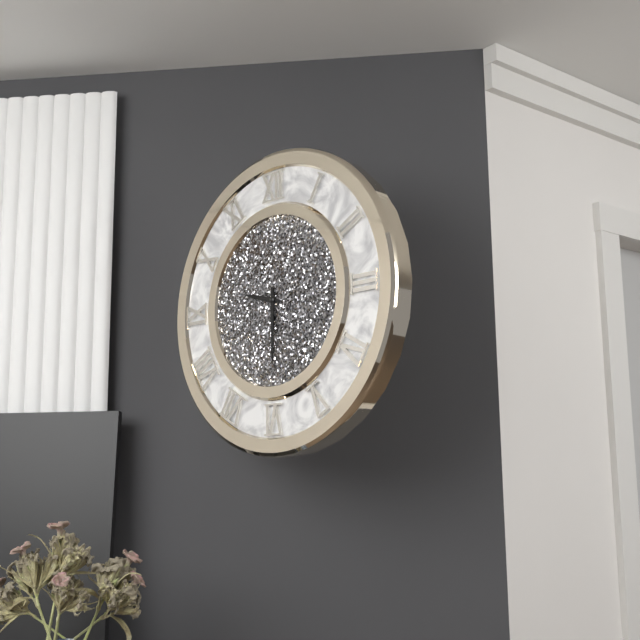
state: 9:30
